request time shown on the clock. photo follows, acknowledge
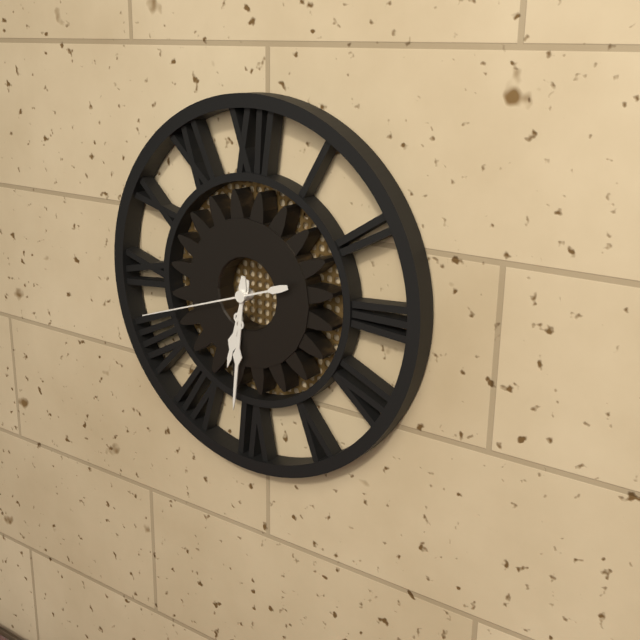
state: 6:31:42
